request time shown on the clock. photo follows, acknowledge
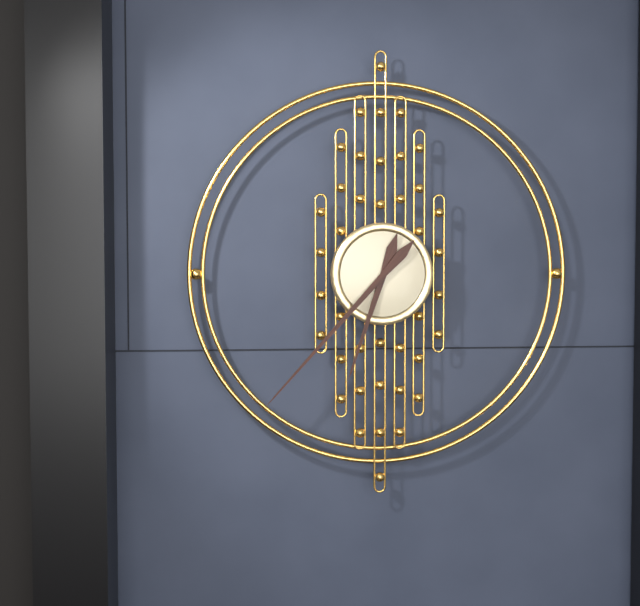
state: 6:37
